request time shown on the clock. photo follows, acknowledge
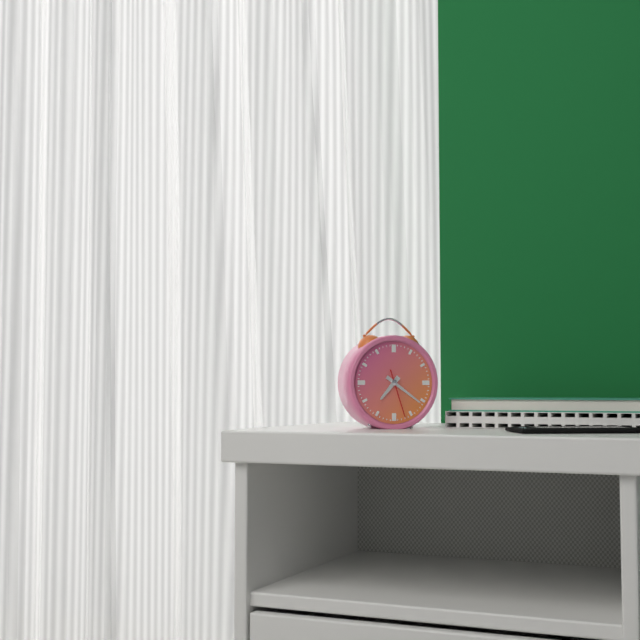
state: 7:21
